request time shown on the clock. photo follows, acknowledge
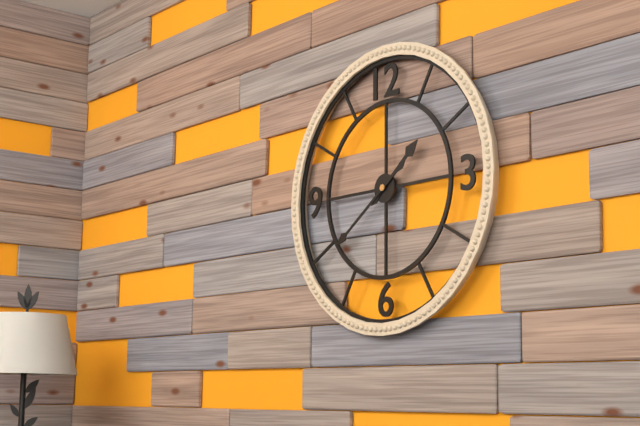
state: 1:39
